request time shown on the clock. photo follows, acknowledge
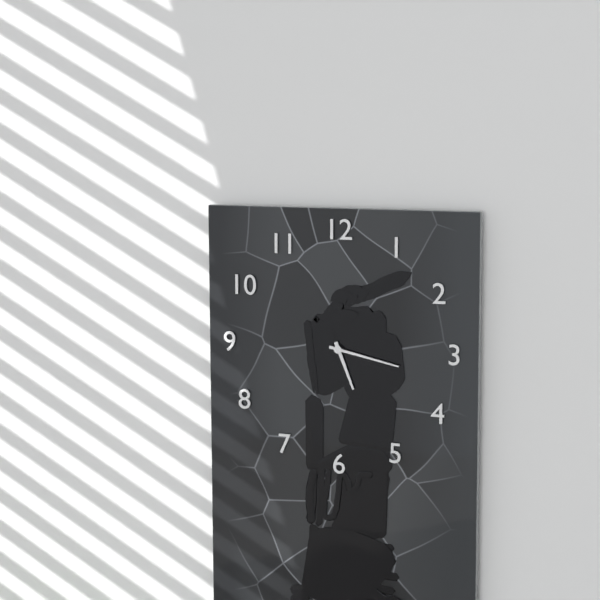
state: 5:17
